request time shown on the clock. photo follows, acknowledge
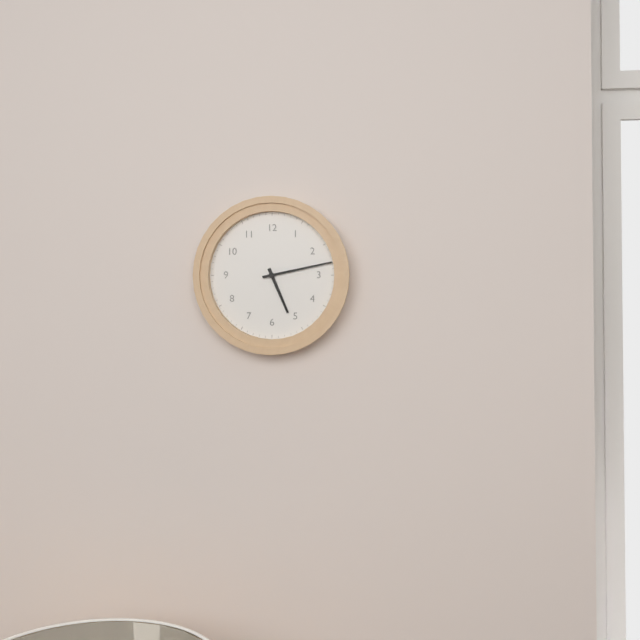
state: 5:13
